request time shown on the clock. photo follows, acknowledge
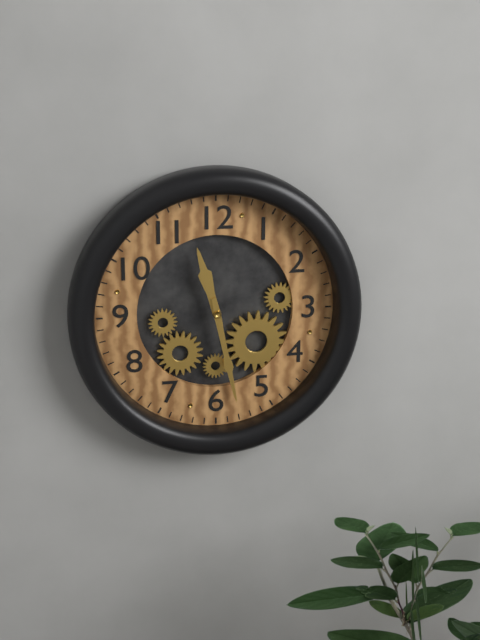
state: 11:28
